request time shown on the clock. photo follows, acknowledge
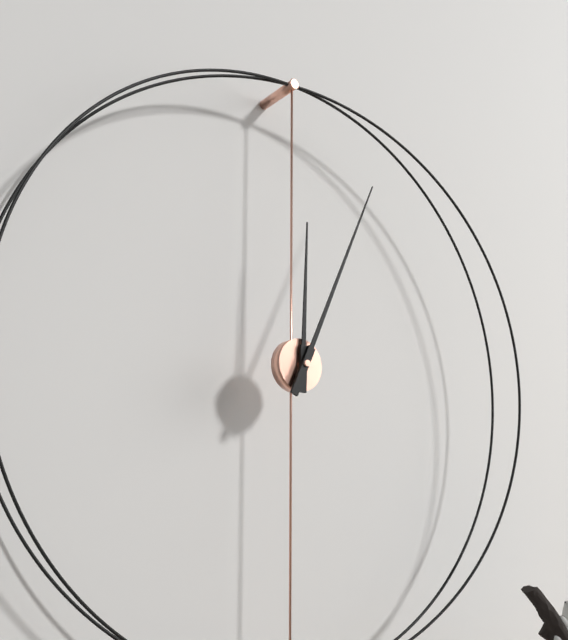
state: 12:04
